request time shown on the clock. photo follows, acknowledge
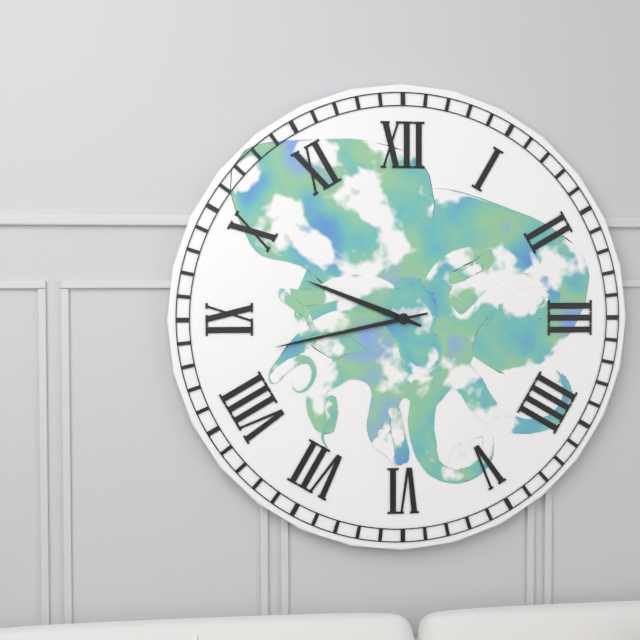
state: 9:43
